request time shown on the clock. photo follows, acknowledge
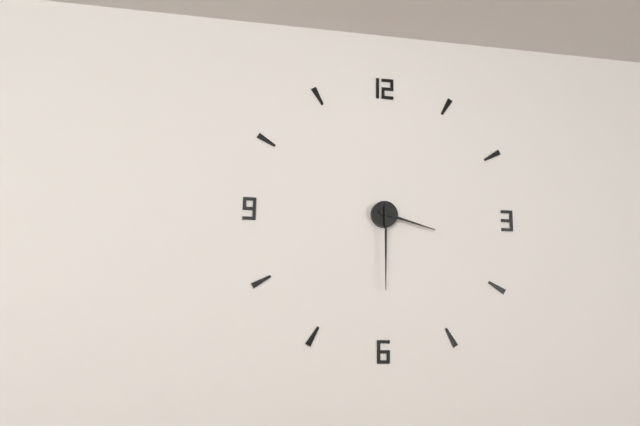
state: 3:30
